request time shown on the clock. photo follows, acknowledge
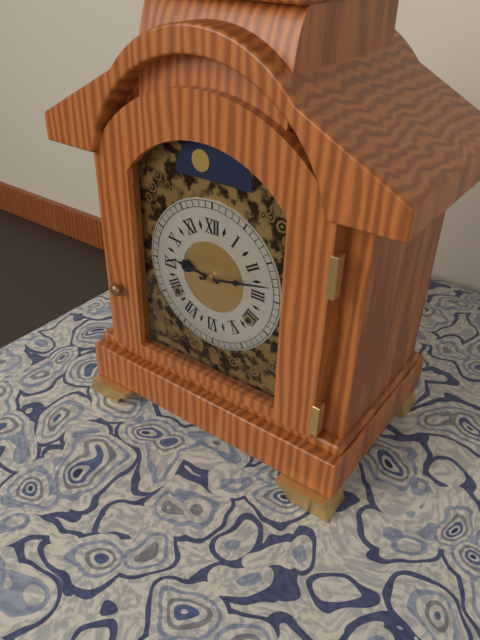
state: 9:13
